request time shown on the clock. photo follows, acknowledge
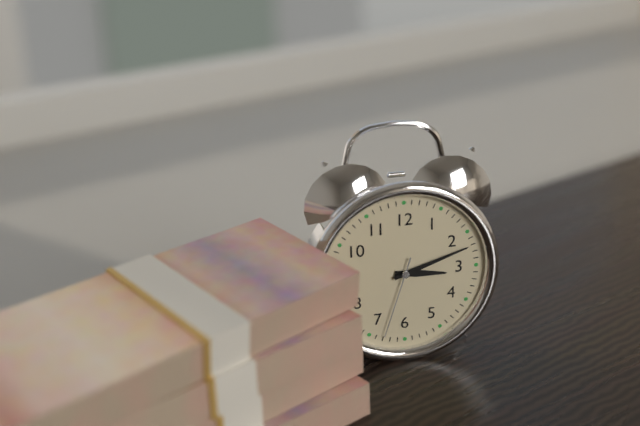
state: 3:12:33
